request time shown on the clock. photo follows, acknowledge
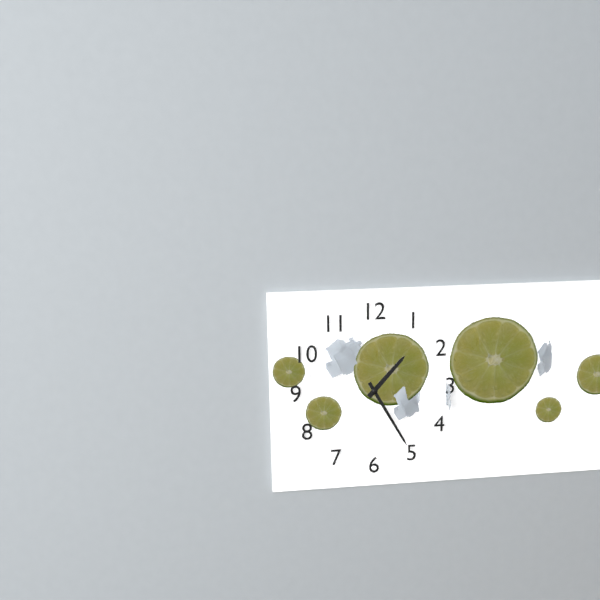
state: 1:25
